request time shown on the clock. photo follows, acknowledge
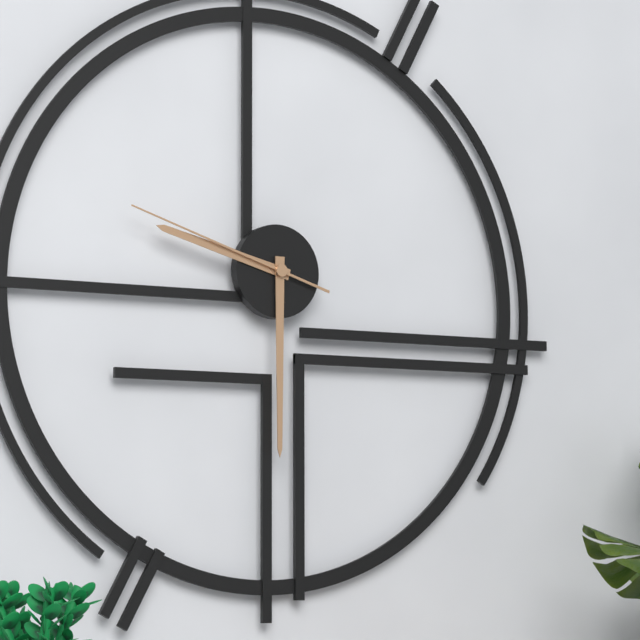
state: 9:30:48
